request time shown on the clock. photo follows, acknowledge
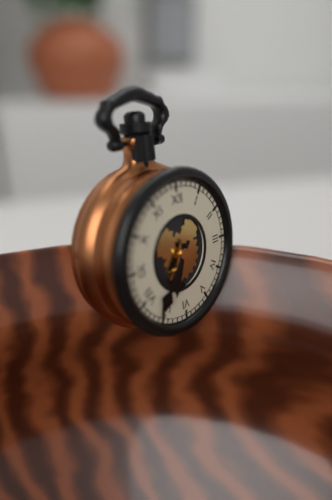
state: 6:36
